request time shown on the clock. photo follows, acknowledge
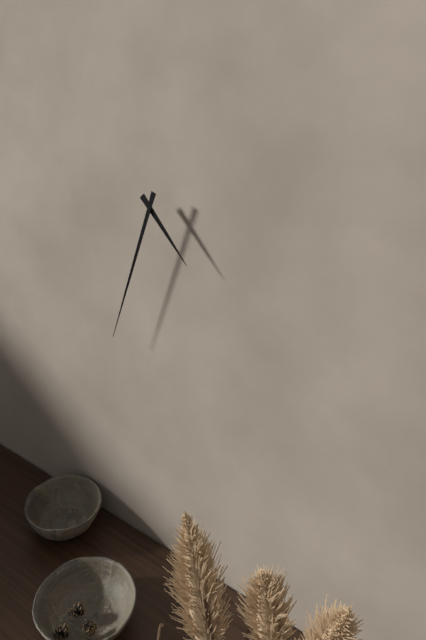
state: 4:33
